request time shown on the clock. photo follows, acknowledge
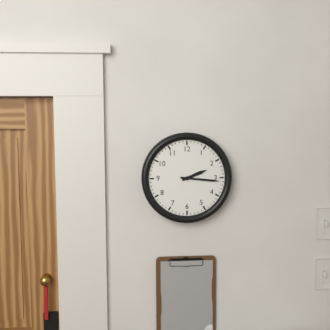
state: 2:16
